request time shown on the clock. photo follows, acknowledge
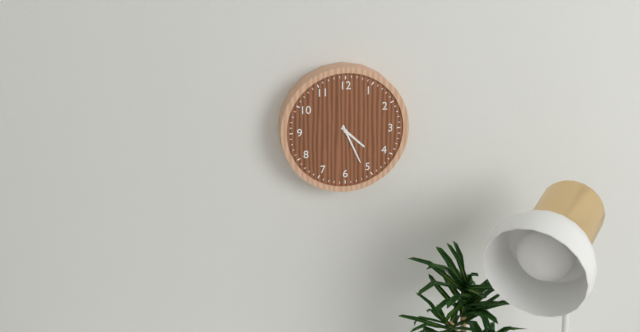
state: 4:26
